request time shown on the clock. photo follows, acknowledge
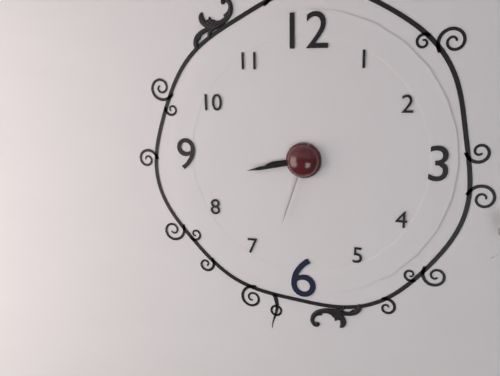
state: 8:43:33
